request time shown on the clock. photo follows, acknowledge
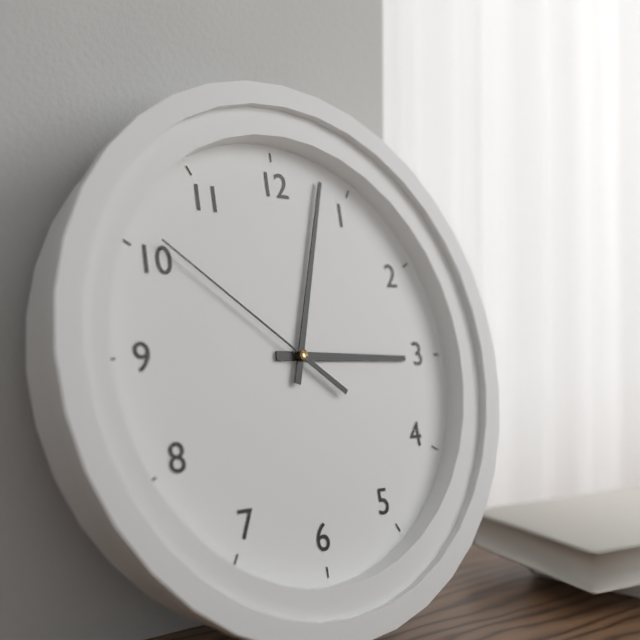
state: 3:03:51
